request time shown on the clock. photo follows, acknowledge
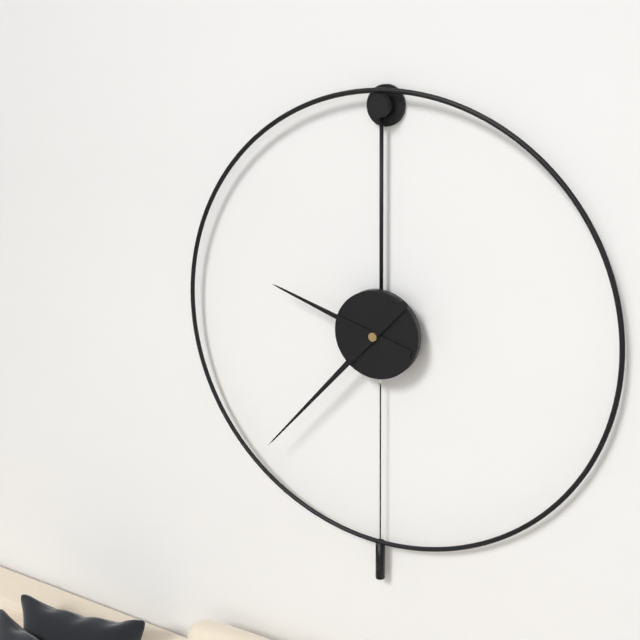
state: 9:37
